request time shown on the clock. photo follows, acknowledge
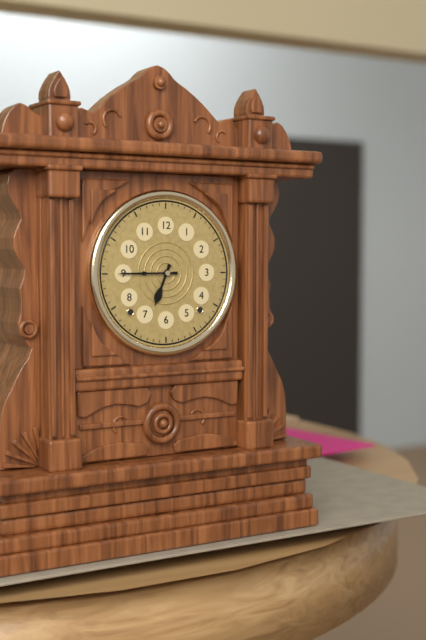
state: 6:45
